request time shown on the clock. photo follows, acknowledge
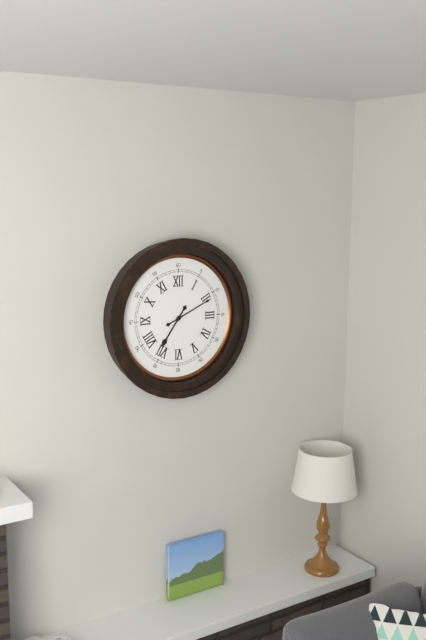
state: 7:11
